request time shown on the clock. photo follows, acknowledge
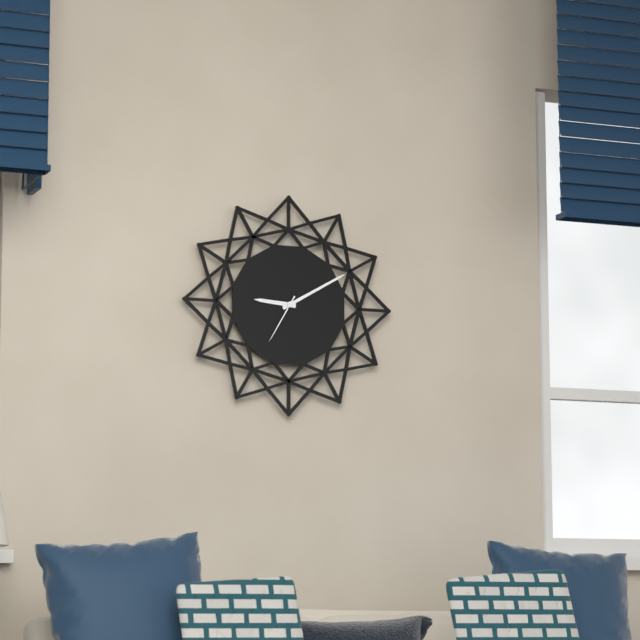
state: 9:10:35
